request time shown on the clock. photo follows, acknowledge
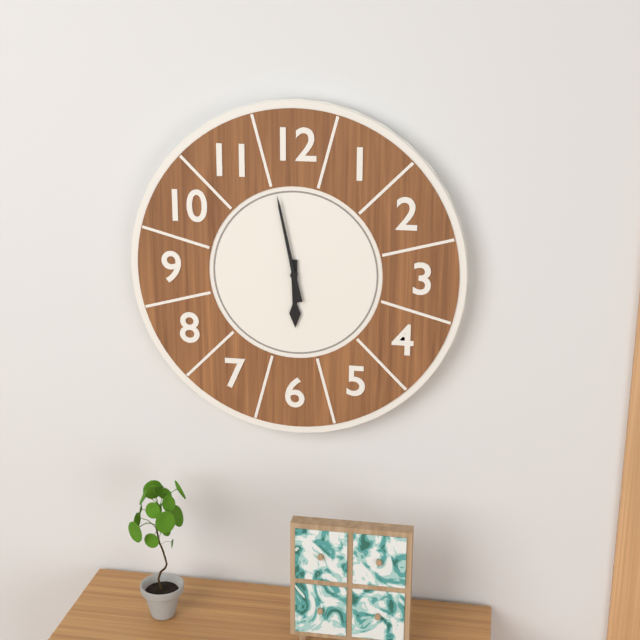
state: 5:58
